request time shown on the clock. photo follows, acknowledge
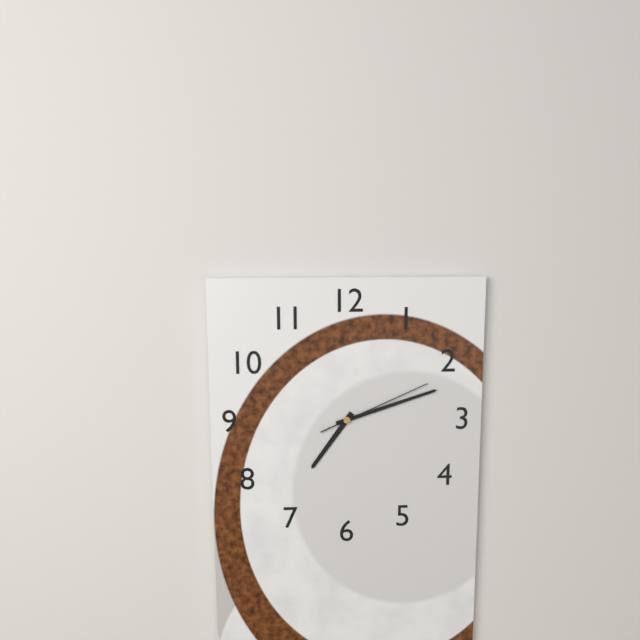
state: 7:12:11
